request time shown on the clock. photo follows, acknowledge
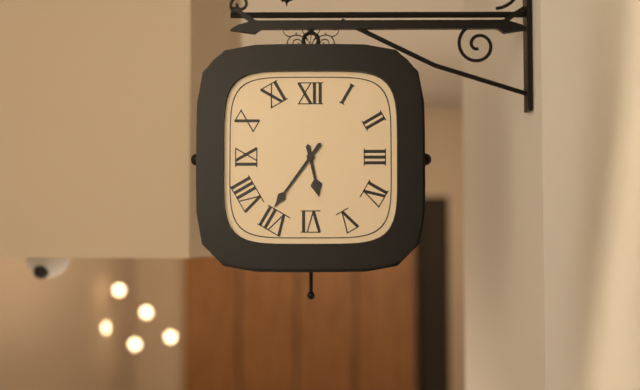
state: 5:36
